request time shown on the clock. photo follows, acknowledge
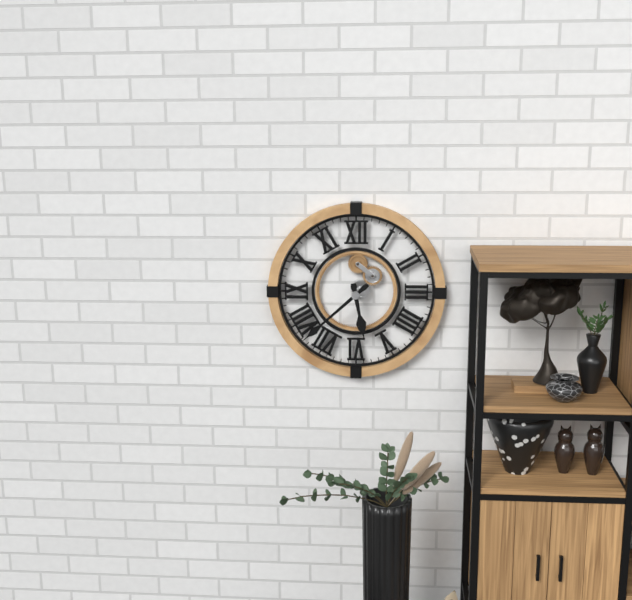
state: 5:38
